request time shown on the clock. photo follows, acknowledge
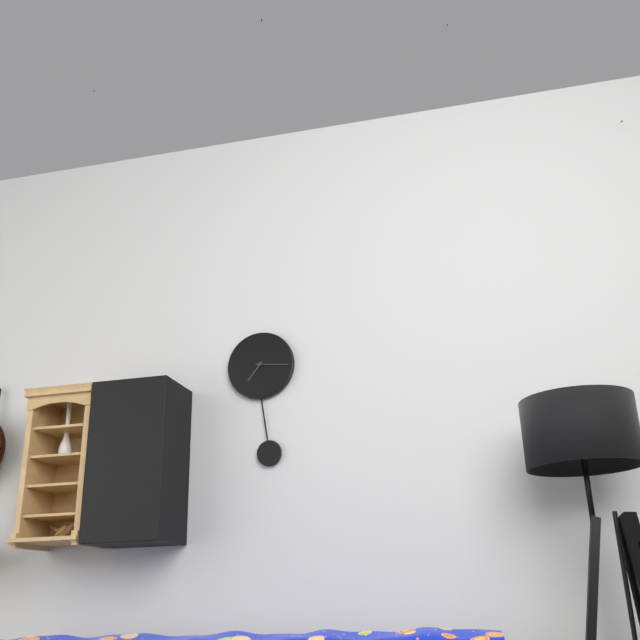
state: 7:16
